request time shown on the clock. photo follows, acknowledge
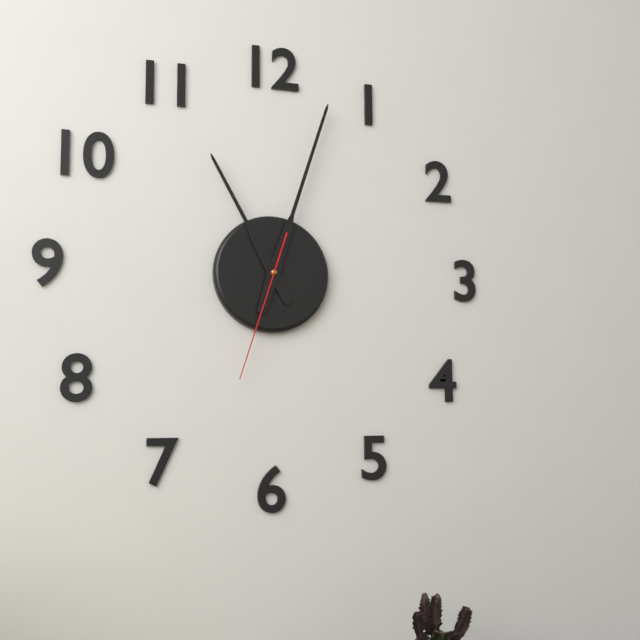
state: 11:03:33
